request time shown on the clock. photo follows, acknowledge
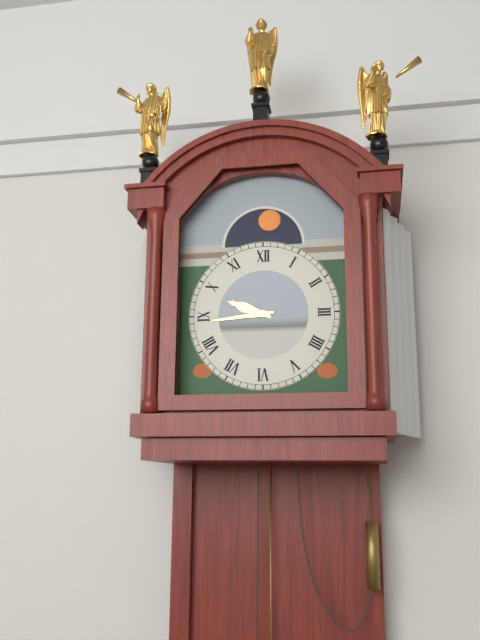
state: 9:44
